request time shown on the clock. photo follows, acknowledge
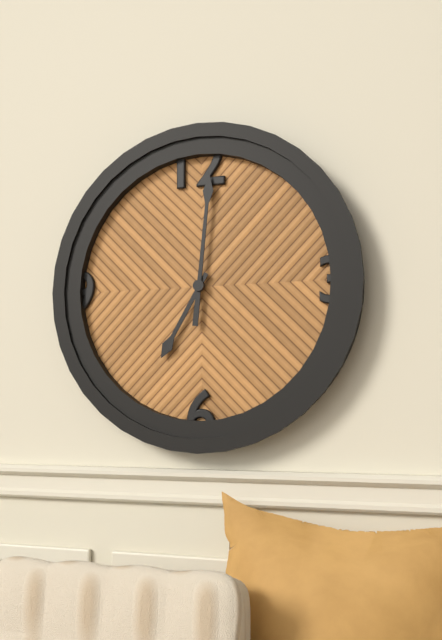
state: 7:01
